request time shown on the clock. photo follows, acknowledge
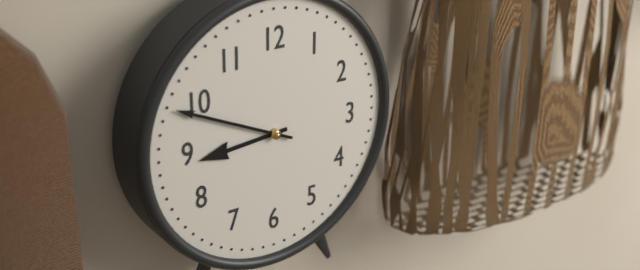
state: 8:49
